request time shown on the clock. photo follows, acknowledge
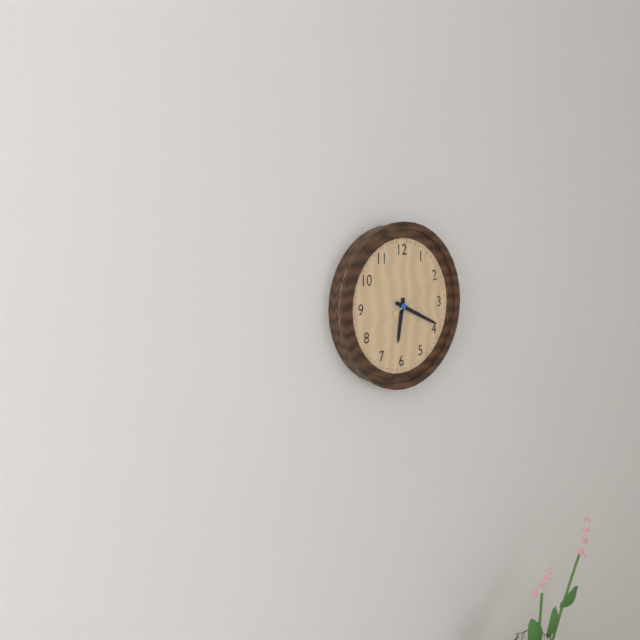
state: 6:19:10
